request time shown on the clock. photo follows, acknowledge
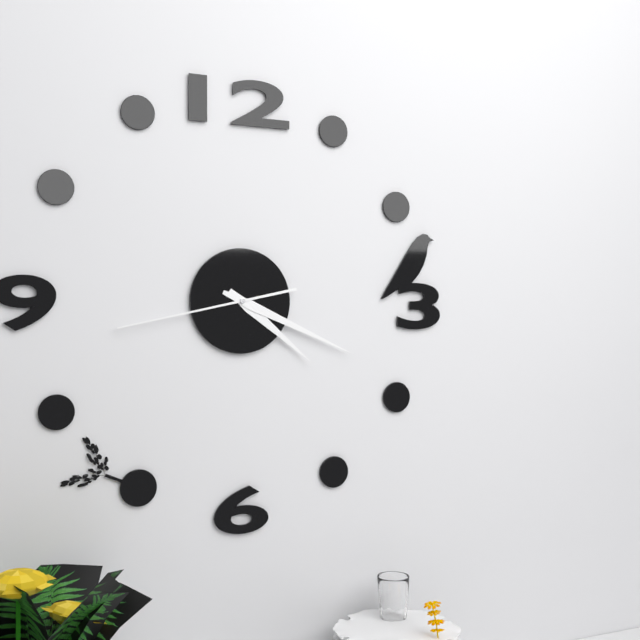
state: 4:19:43
